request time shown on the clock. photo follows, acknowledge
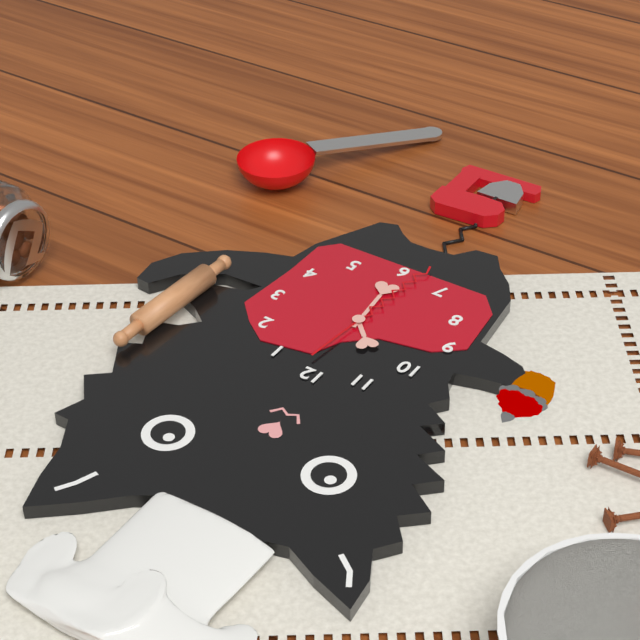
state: 10:29:31
